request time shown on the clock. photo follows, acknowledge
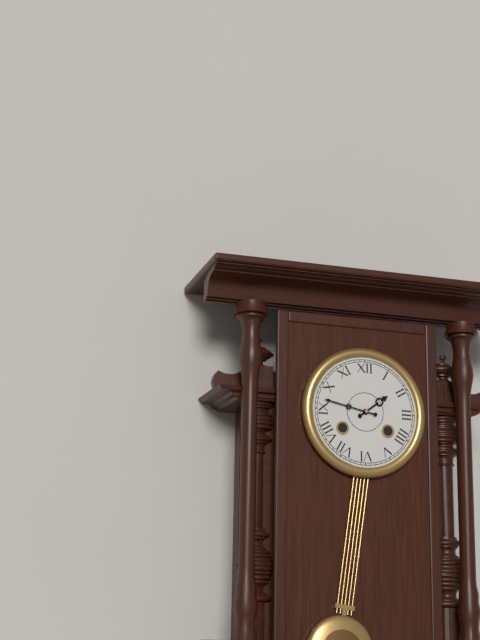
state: 1:47
